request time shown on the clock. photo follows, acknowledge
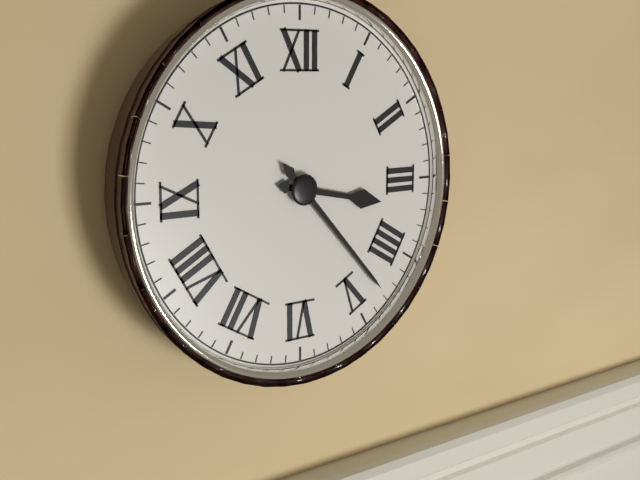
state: 3:23
